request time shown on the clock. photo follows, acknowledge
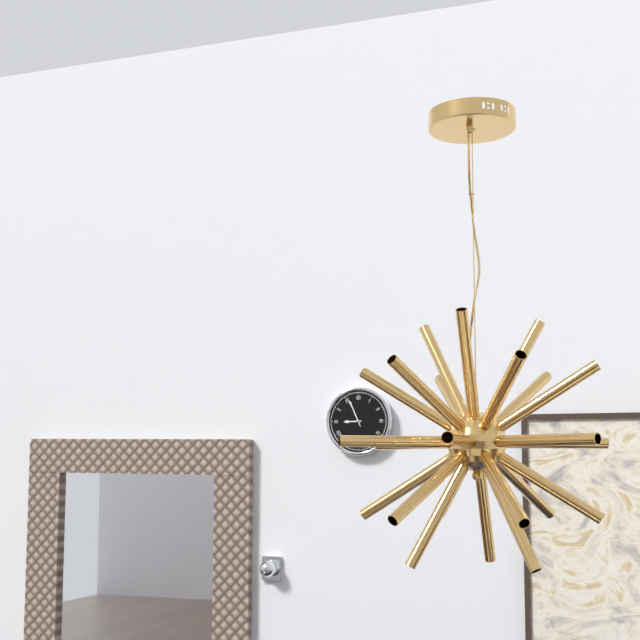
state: 8:56
